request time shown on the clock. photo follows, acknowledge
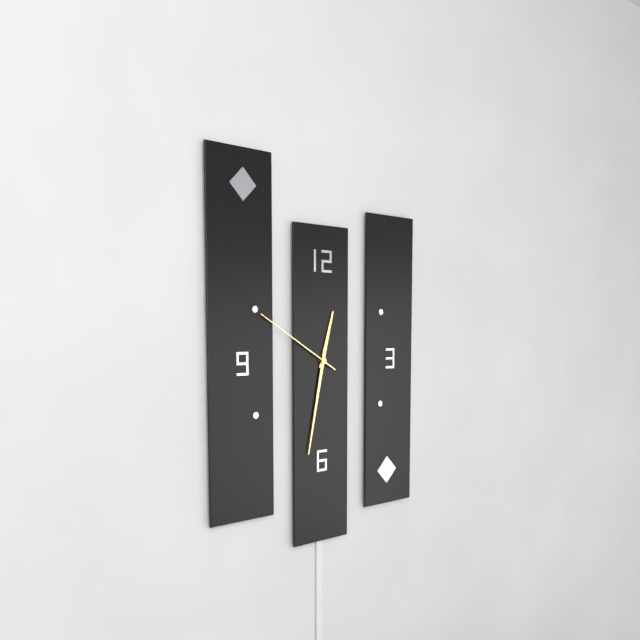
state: 12:32:50
